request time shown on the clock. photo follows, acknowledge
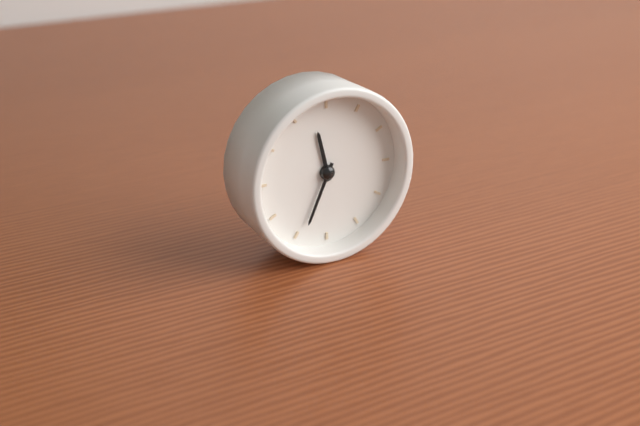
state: 11:34
